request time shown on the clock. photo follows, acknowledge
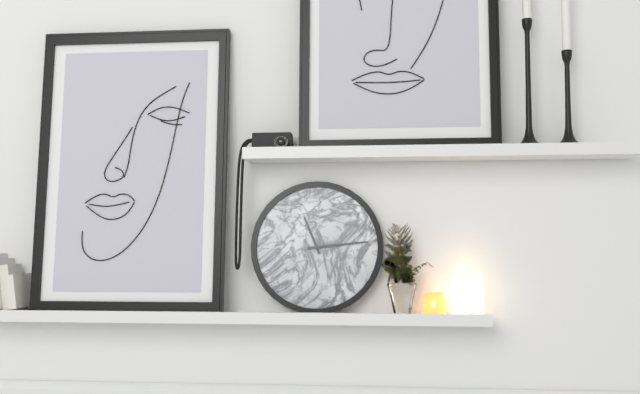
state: 11:14
